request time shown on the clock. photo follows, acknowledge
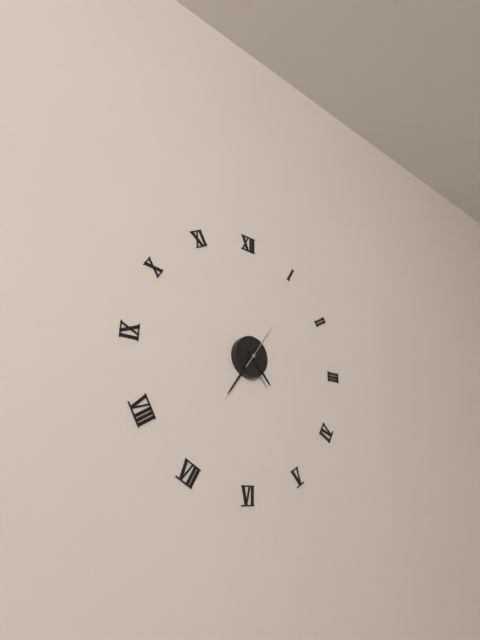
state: 4:36
